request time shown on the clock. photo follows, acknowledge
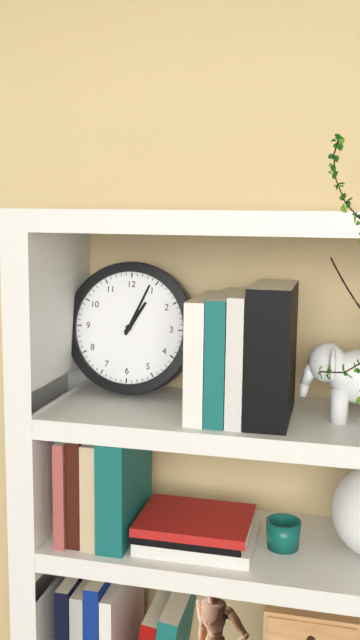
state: 1:04
